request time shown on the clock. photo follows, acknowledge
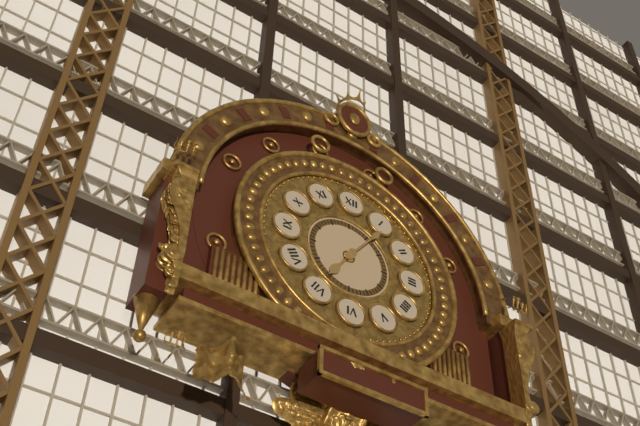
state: 7:06
